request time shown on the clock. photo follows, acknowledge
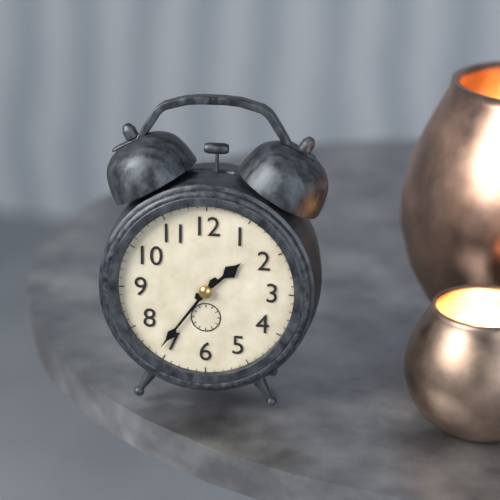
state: 1:36
